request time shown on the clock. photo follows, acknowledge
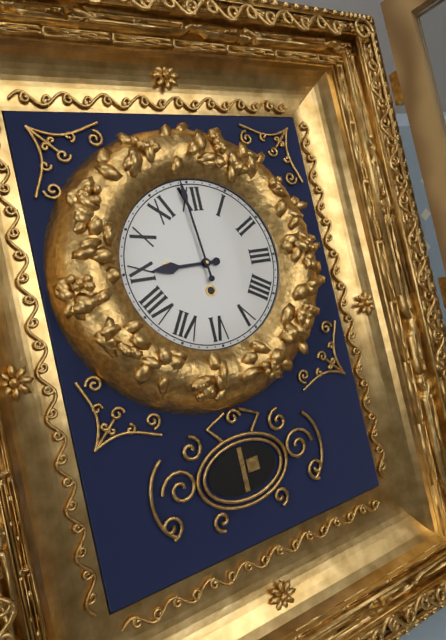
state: 8:59
